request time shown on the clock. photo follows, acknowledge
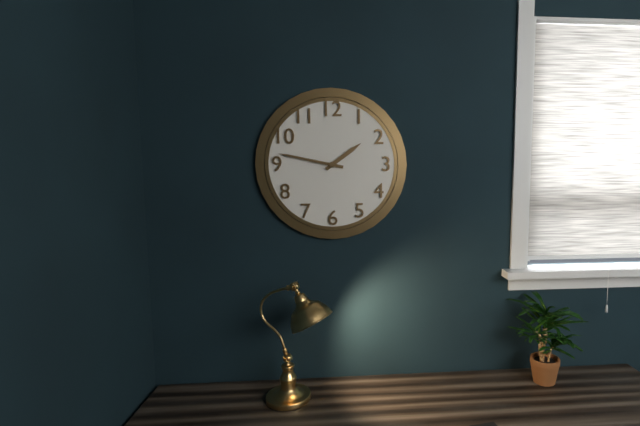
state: 1:47
